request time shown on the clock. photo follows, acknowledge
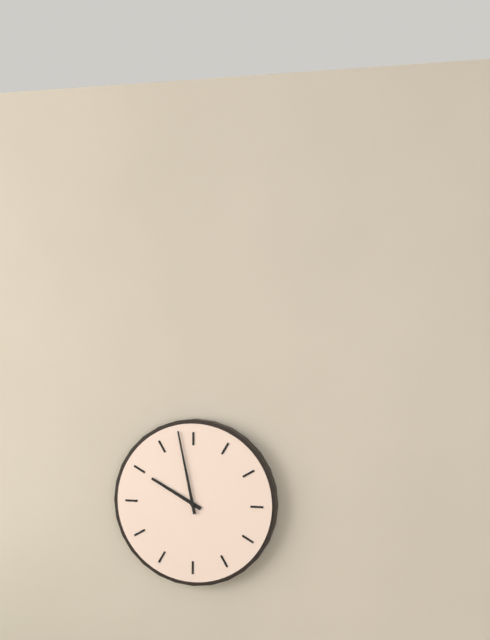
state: 9:58
